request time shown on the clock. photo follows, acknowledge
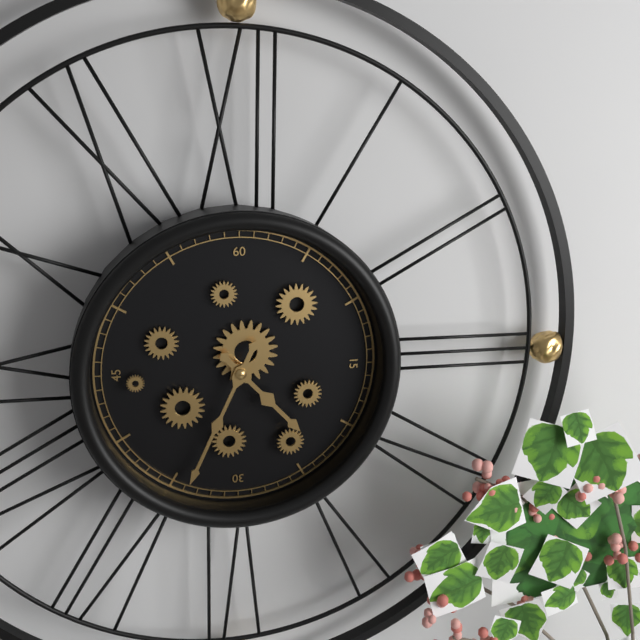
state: 4:34
